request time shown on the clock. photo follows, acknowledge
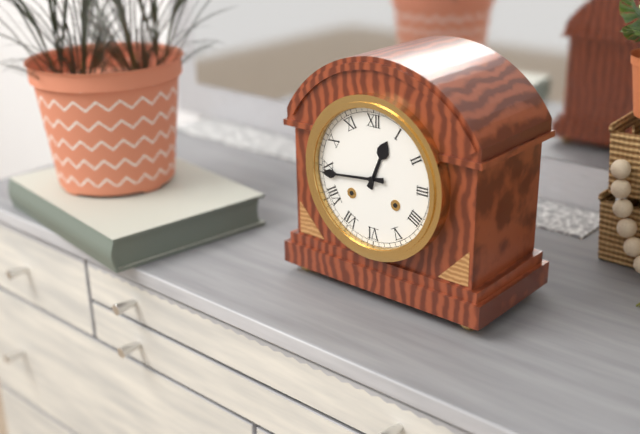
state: 12:44
